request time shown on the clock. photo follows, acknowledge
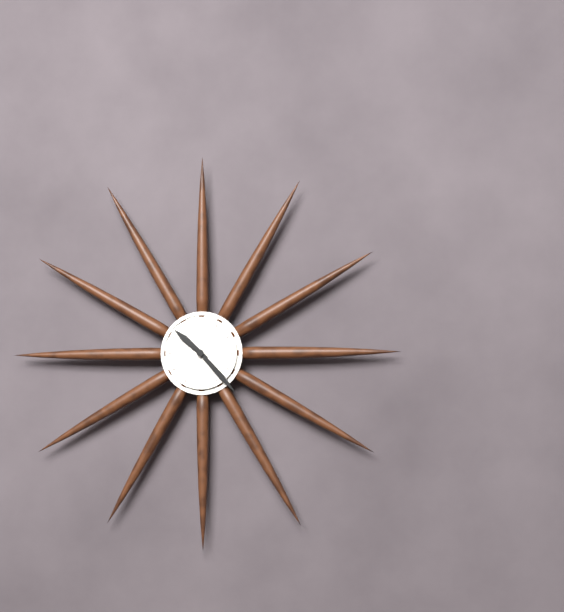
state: 10:23
